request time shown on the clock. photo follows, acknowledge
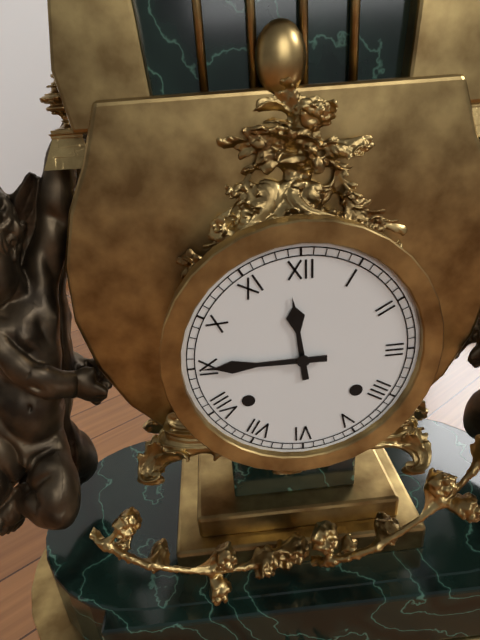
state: 11:45
